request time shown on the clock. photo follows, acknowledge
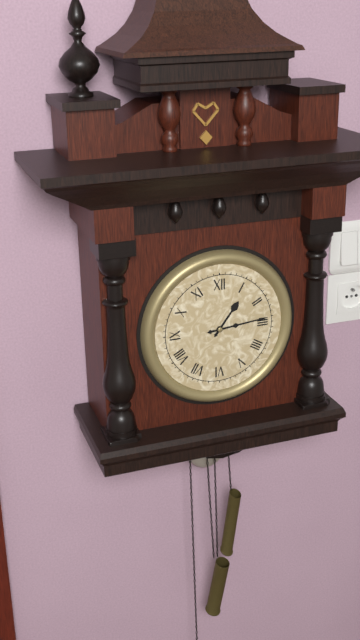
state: 1:14
